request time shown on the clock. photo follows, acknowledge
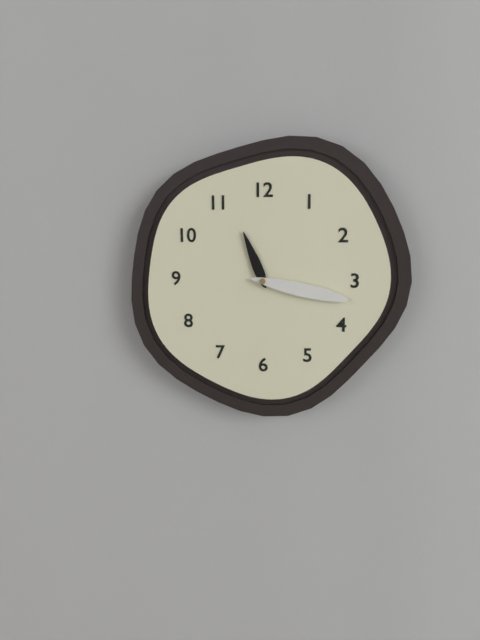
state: 11:17
